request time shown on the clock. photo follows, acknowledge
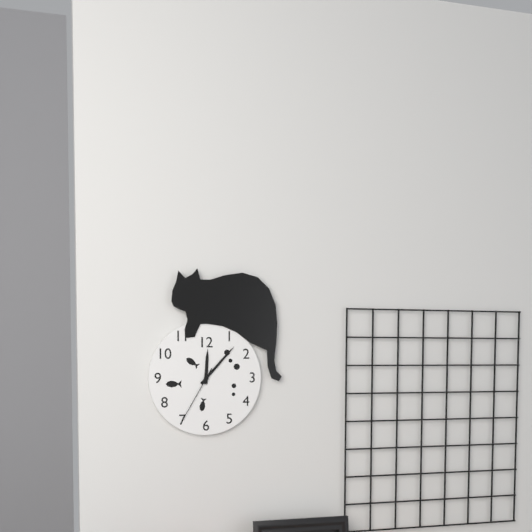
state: 12:07:35
